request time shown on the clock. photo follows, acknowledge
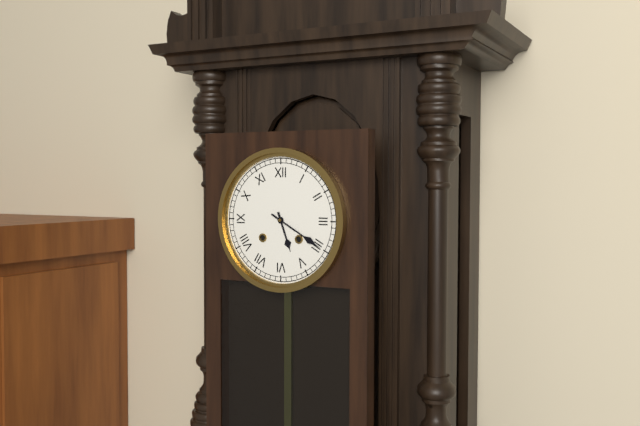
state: 5:20
